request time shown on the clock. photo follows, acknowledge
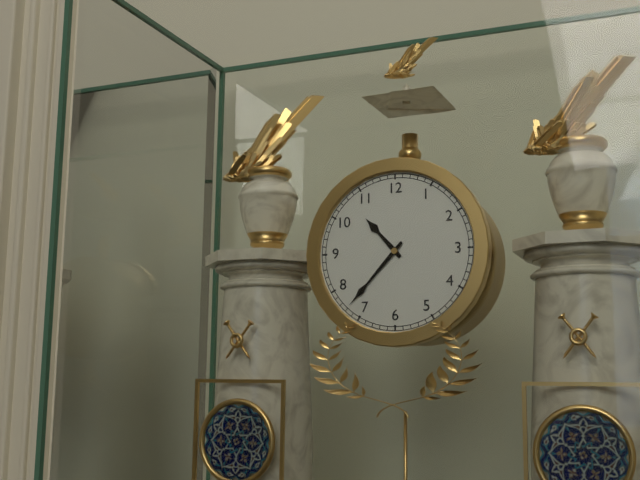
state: 10:37
